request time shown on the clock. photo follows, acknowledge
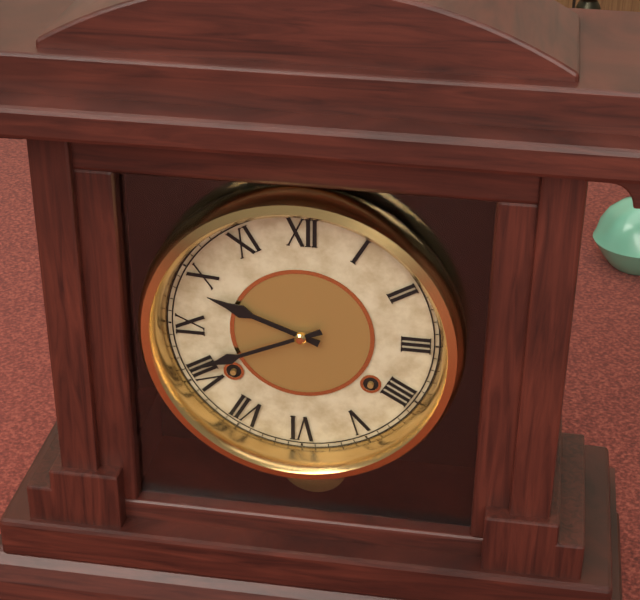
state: 9:41
